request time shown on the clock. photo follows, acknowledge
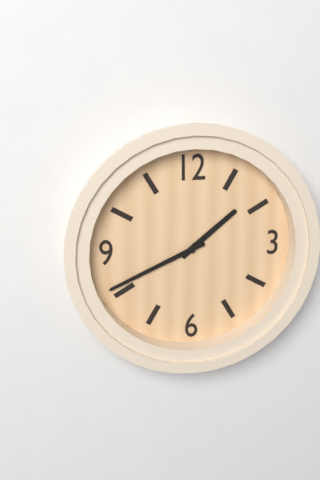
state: 1:41
